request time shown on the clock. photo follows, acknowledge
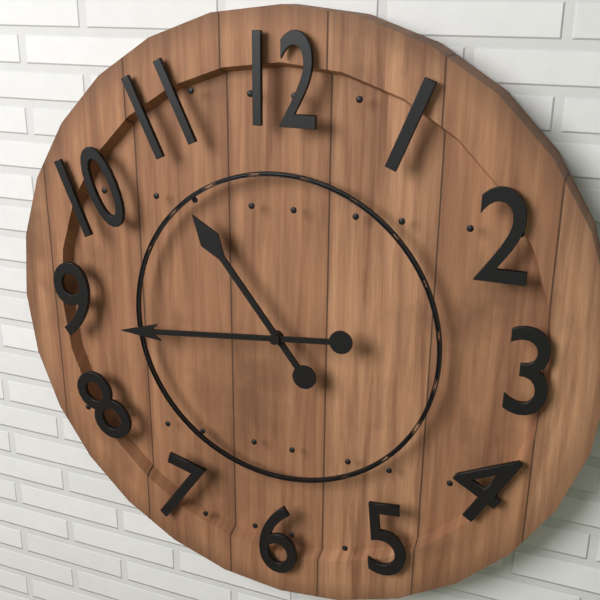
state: 10:44
